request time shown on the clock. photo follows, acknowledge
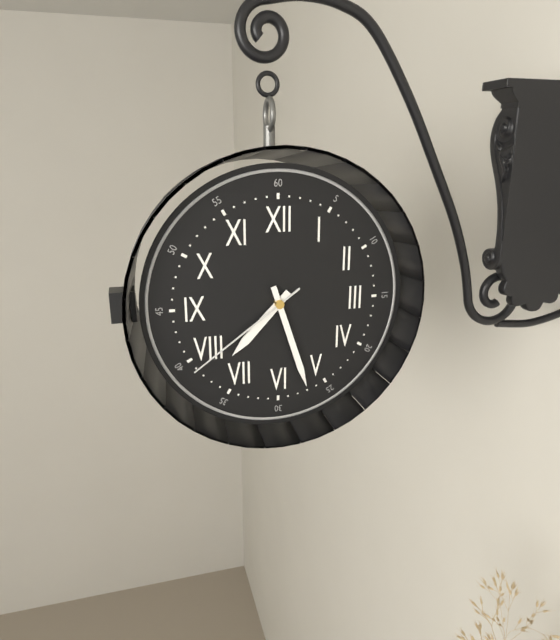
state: 7:27:39
